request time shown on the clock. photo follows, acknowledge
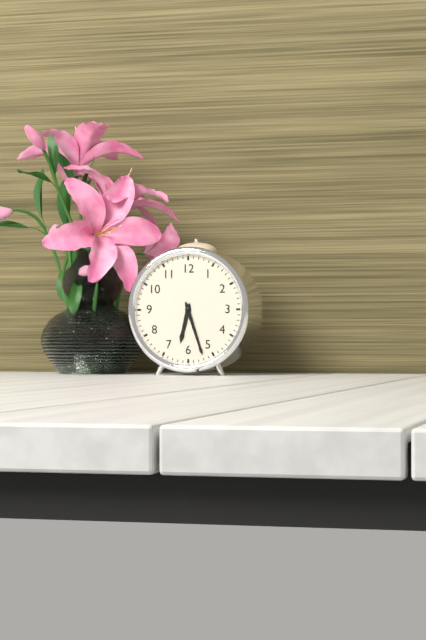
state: 6:27
